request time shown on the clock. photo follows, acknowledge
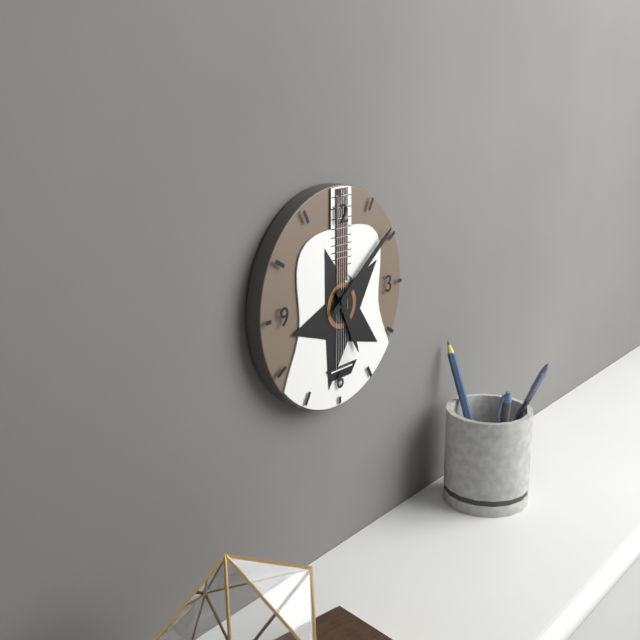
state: 5:09
